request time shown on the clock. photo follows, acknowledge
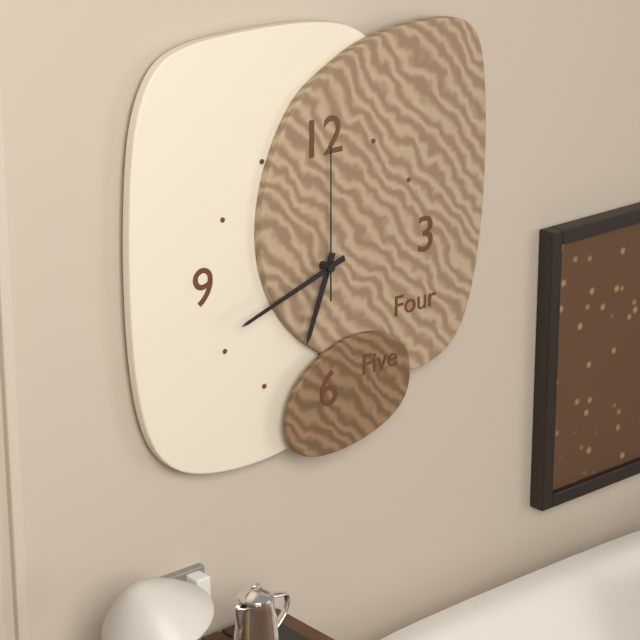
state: 6:42:00
